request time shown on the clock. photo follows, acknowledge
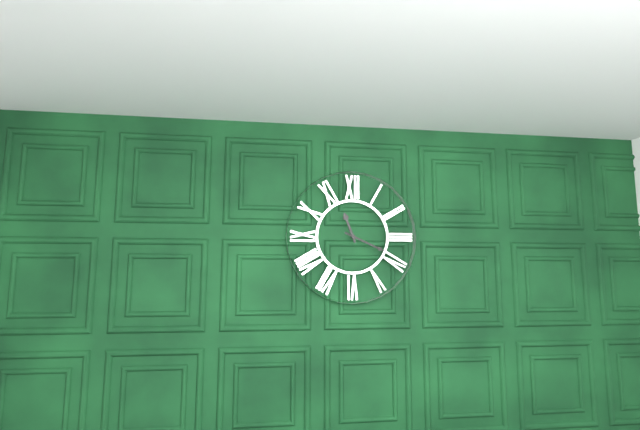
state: 11:19
